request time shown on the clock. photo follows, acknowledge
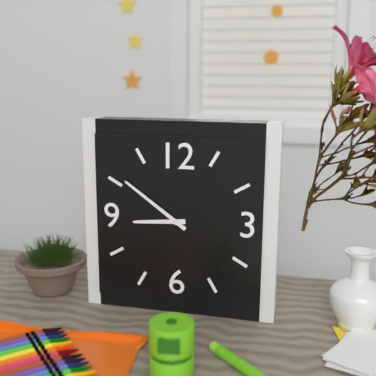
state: 8:51
